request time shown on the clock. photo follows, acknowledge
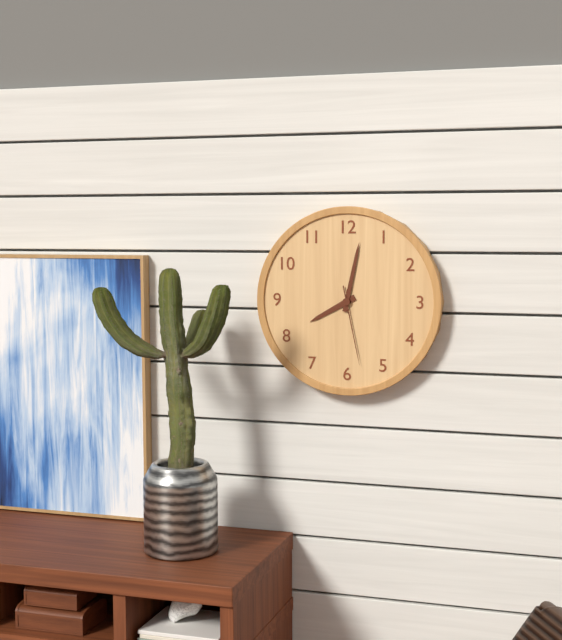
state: 8:02:28
